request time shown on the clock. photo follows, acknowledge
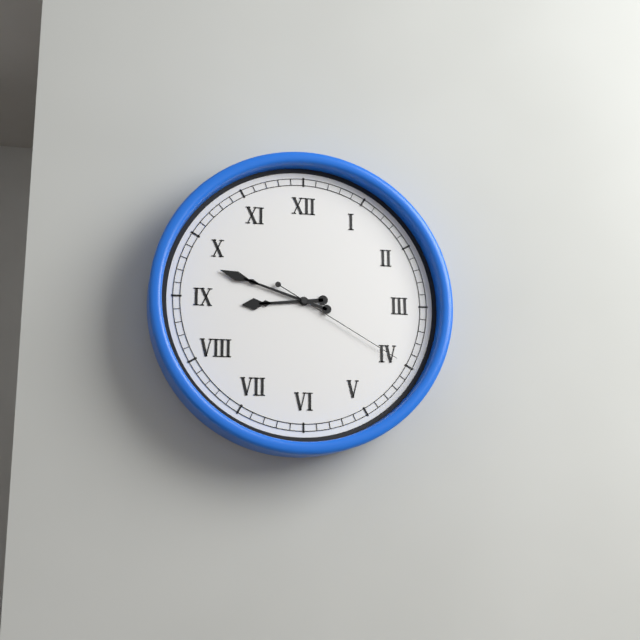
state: 8:48:20
